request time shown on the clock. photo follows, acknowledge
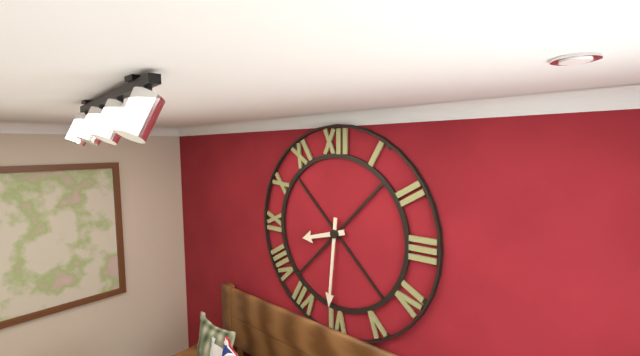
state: 8:31
